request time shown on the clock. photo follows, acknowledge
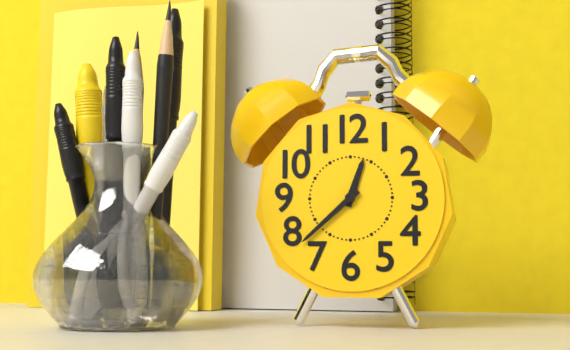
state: 12:38
